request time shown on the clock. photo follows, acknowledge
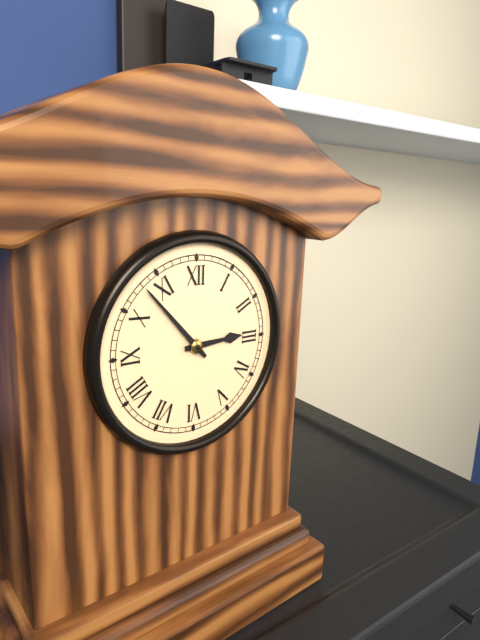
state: 2:53
